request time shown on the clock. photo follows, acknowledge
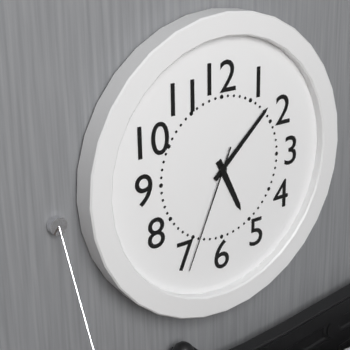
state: 5:08:34
